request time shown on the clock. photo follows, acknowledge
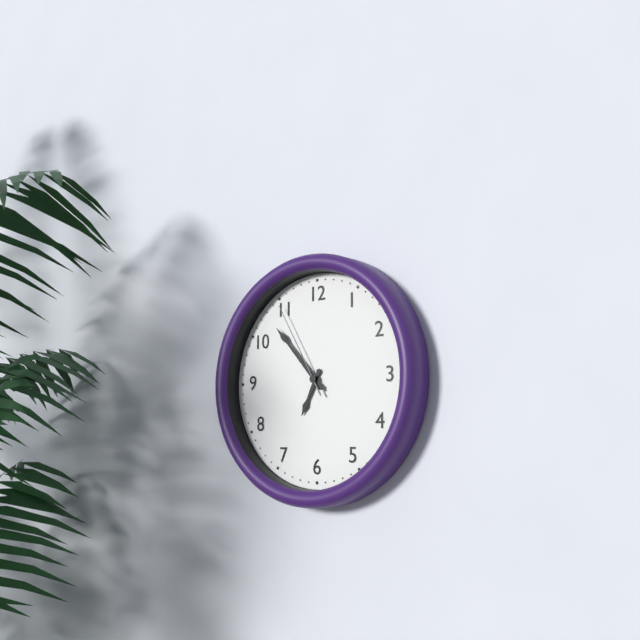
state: 6:53:55
